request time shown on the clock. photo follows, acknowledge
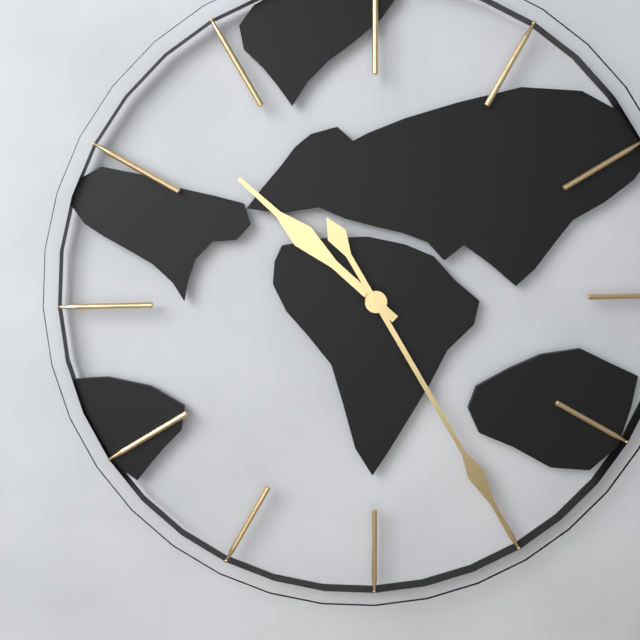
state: 10:25
